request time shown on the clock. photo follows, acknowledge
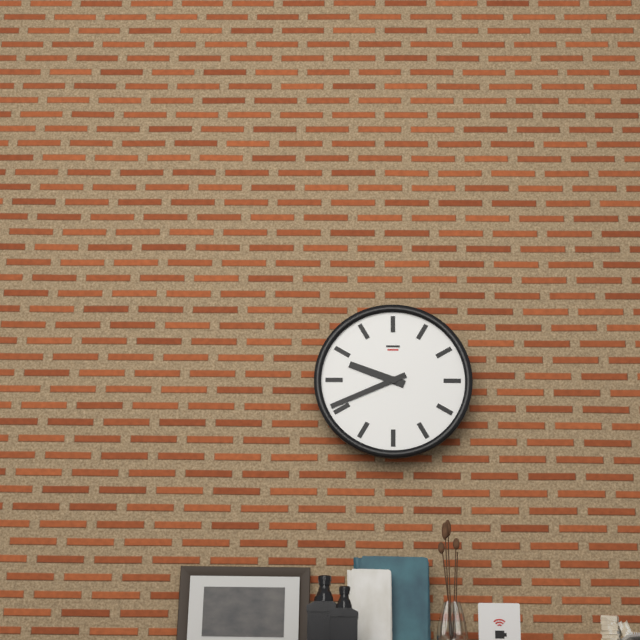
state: 9:41
